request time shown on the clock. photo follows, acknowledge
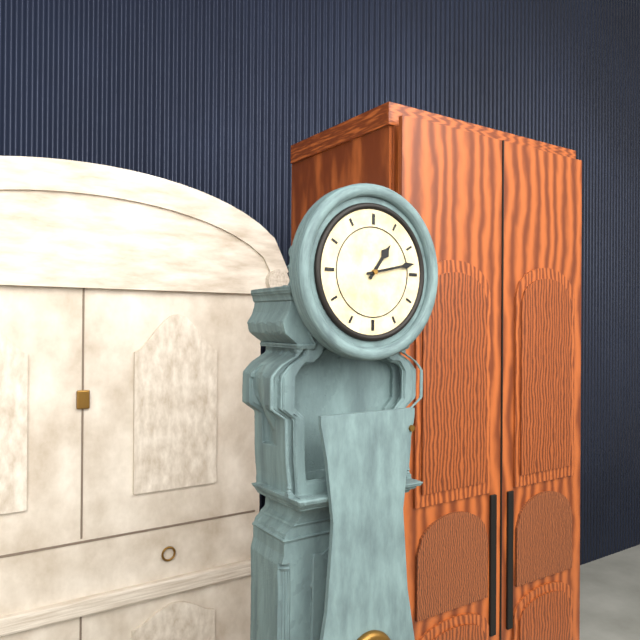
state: 1:13
